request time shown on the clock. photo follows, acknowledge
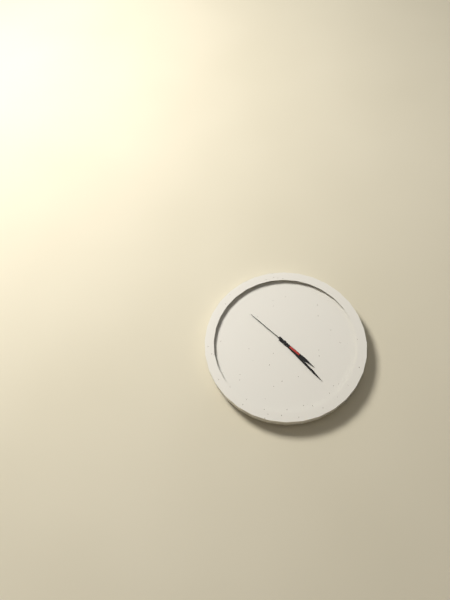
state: 4:23:52
